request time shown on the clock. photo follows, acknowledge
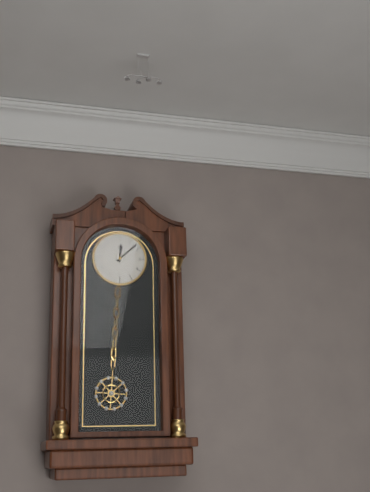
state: 12:08
